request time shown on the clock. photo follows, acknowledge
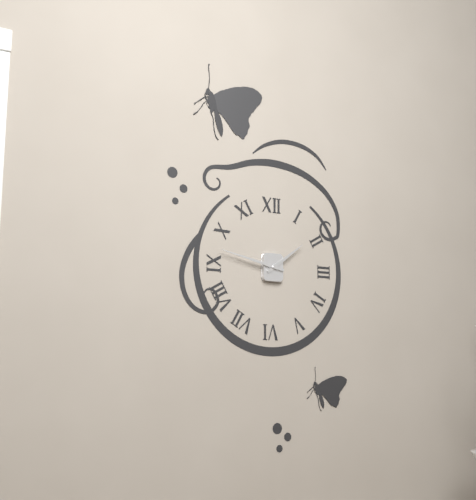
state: 1:47
